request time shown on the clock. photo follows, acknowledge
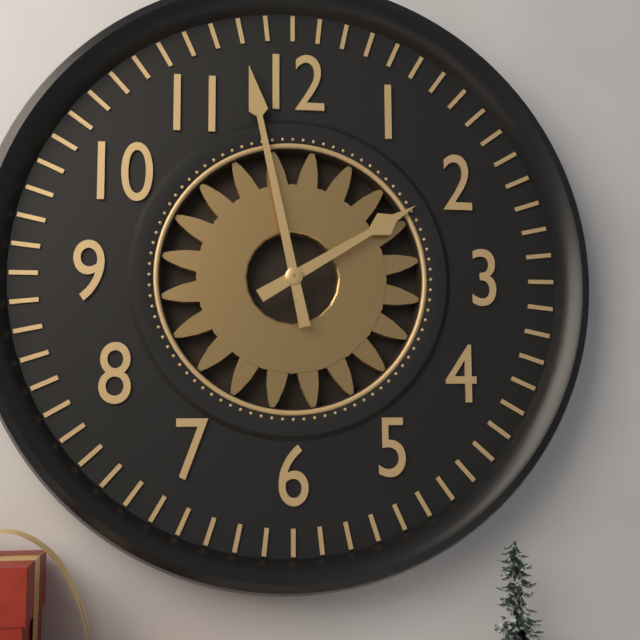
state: 1:58
